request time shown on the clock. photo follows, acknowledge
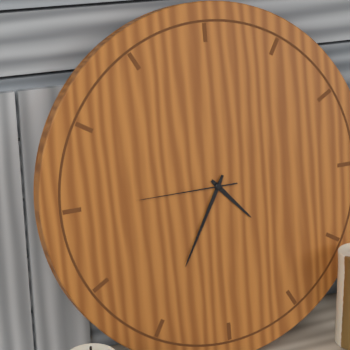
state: 4:35:45
